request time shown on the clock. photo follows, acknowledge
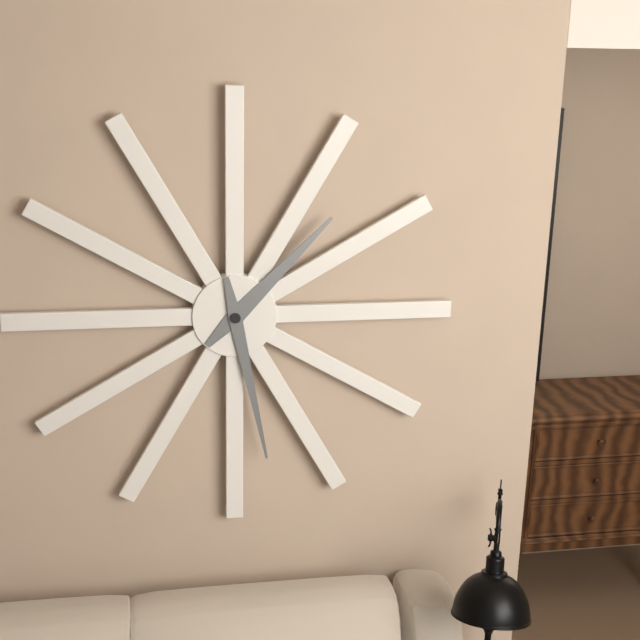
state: 1:28
